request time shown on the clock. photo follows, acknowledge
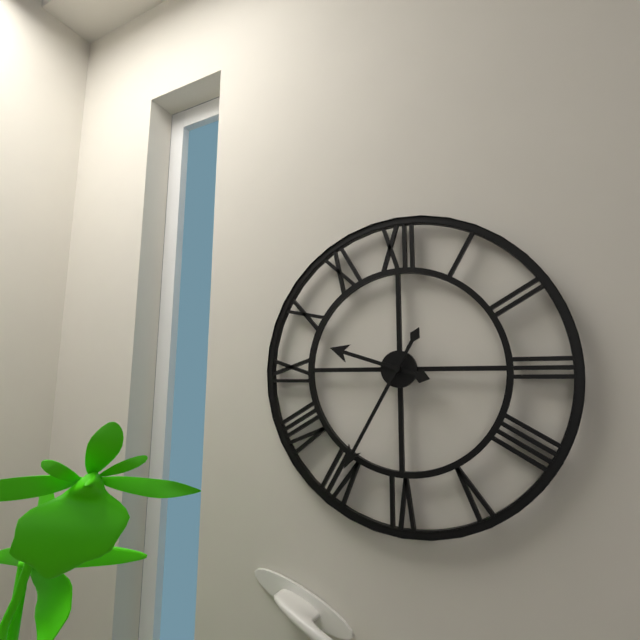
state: 9:35
